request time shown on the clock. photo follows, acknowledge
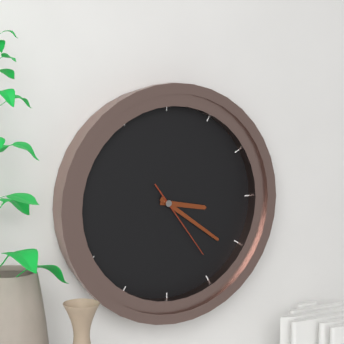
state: 3:21:24
